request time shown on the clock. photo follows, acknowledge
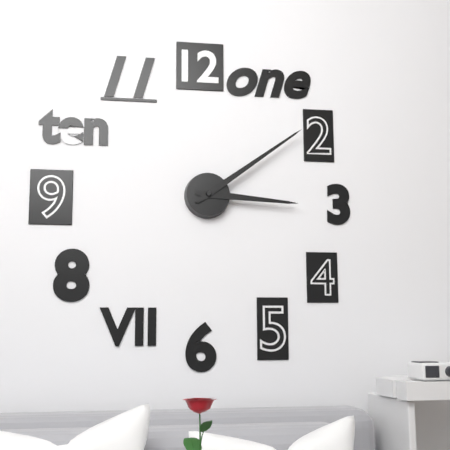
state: 3:09
